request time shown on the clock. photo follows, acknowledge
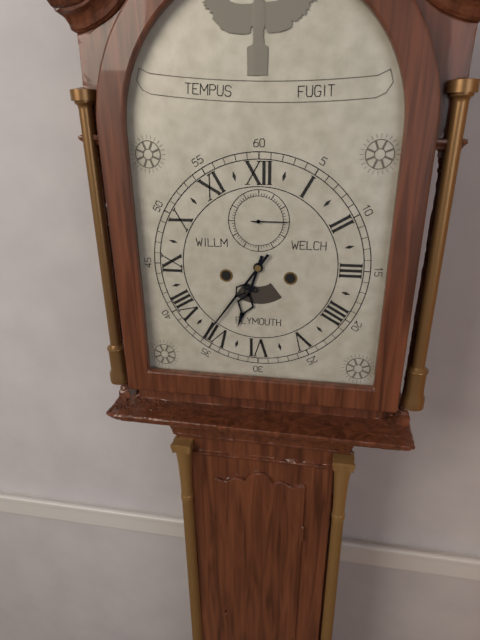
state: 6:36
